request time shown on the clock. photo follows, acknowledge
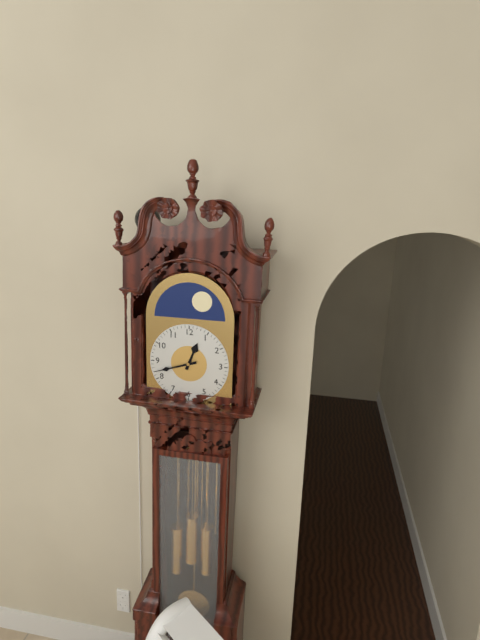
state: 12:42
